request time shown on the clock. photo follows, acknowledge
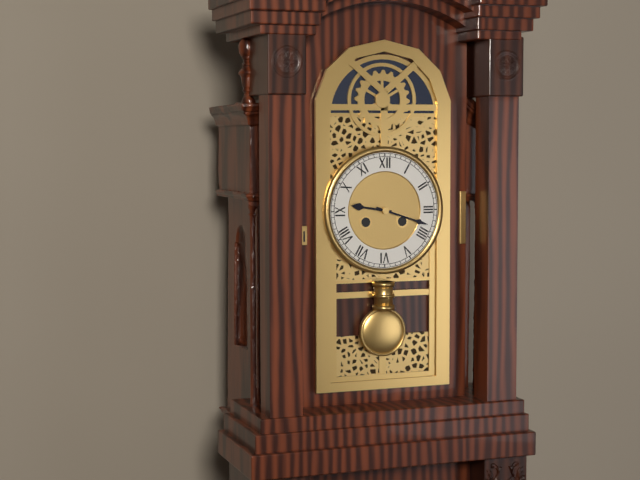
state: 9:18
